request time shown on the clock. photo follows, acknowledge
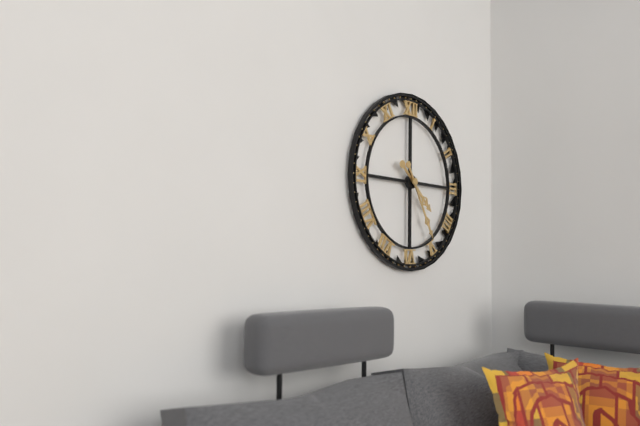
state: 4:25
